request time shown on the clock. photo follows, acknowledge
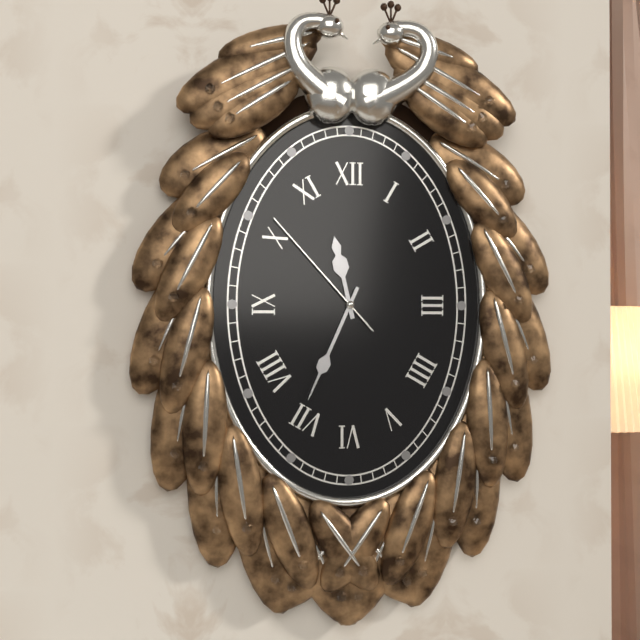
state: 11:34:53
